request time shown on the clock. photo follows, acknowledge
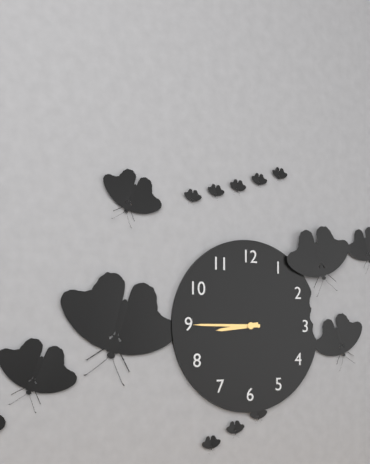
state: 8:45
